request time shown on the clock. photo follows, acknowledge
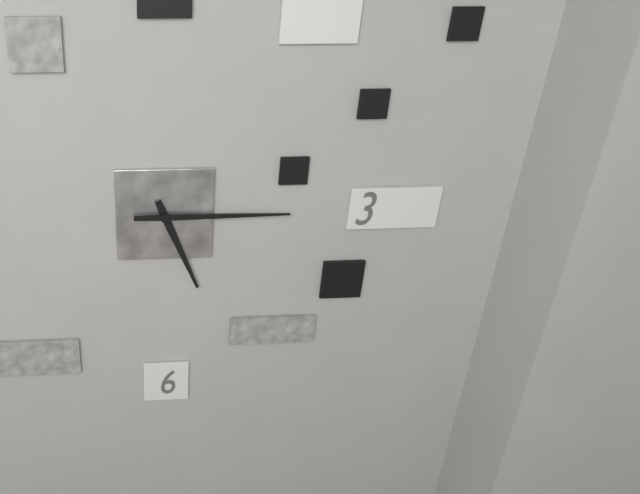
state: 5:15
